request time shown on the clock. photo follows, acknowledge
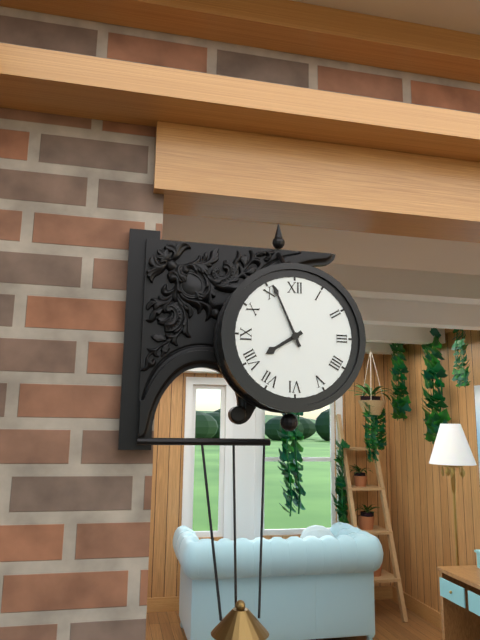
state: 7:56
